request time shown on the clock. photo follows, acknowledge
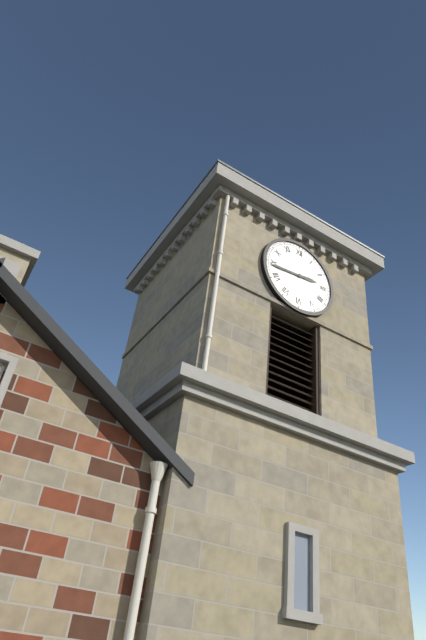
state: 2:44
